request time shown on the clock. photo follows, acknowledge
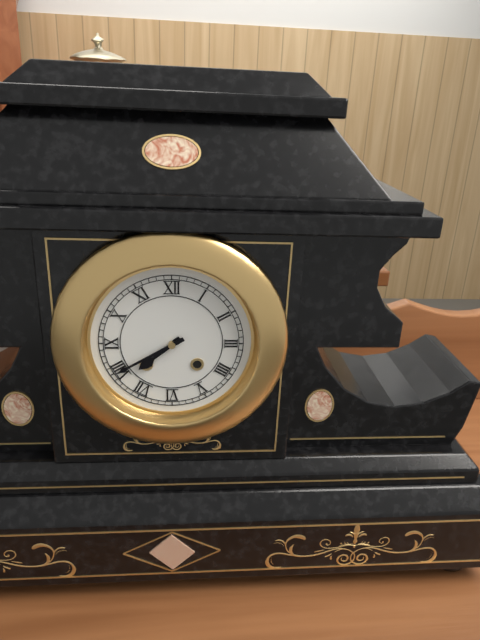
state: 7:40
